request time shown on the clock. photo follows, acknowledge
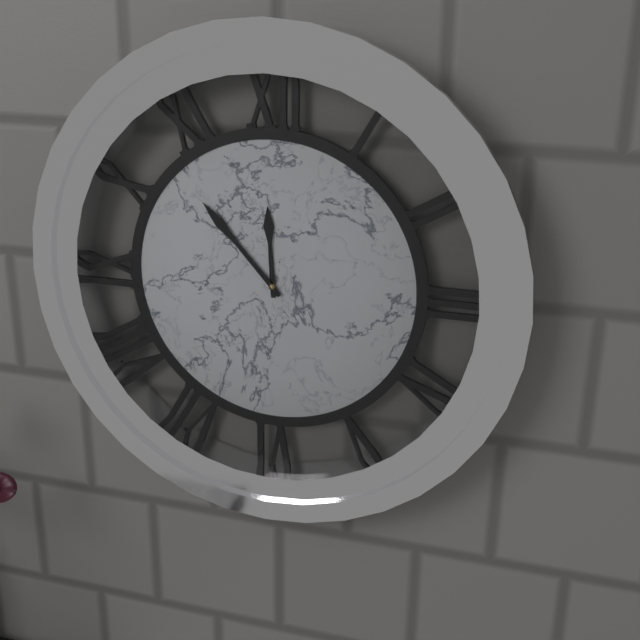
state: 11:53
